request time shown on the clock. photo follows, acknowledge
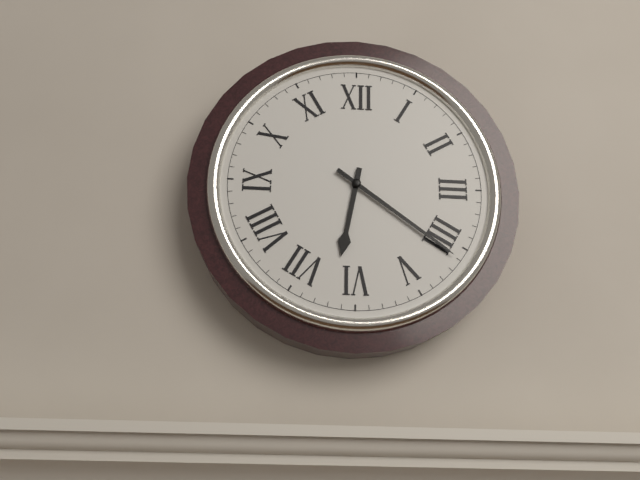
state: 6:21
